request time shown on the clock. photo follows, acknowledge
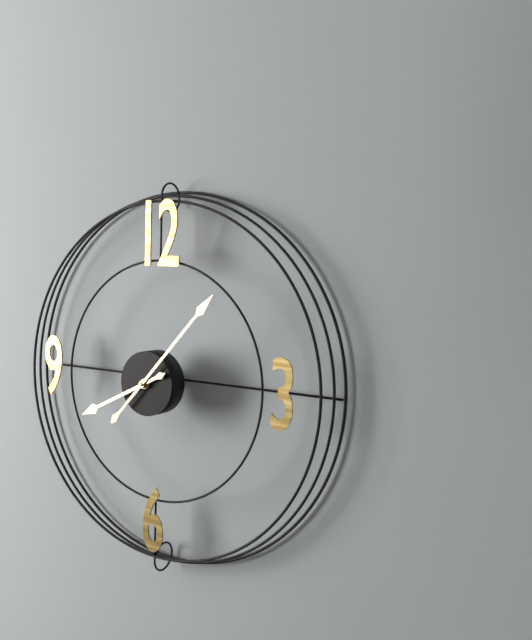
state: 8:07
